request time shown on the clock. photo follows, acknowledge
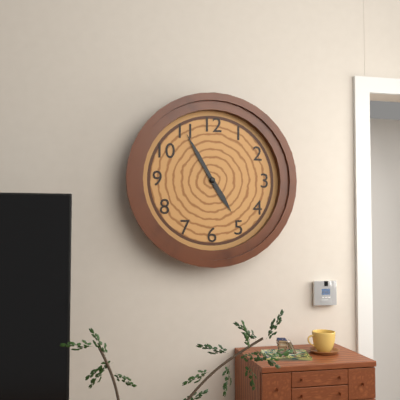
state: 4:55
